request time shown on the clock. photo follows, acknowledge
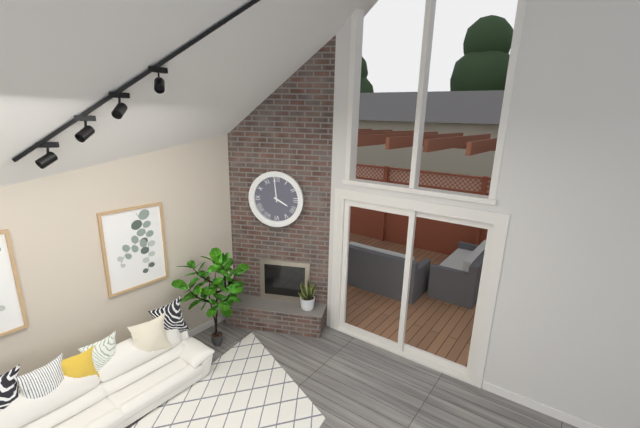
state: 3:59
